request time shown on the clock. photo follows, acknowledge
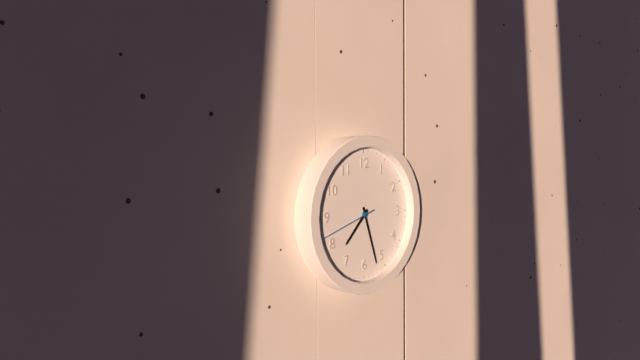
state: 7:27:42
